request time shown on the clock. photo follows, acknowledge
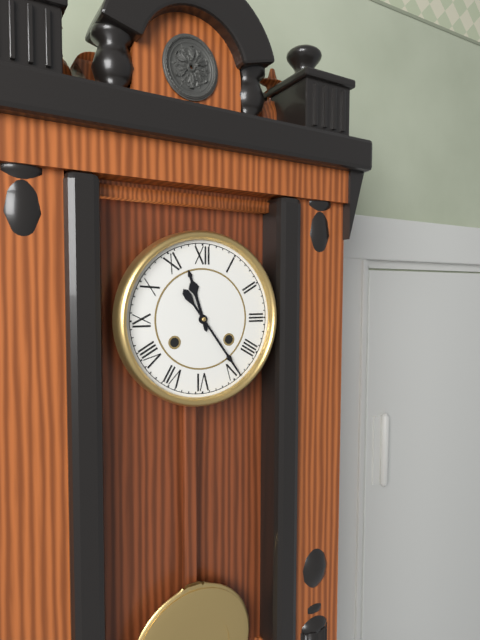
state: 11:24
